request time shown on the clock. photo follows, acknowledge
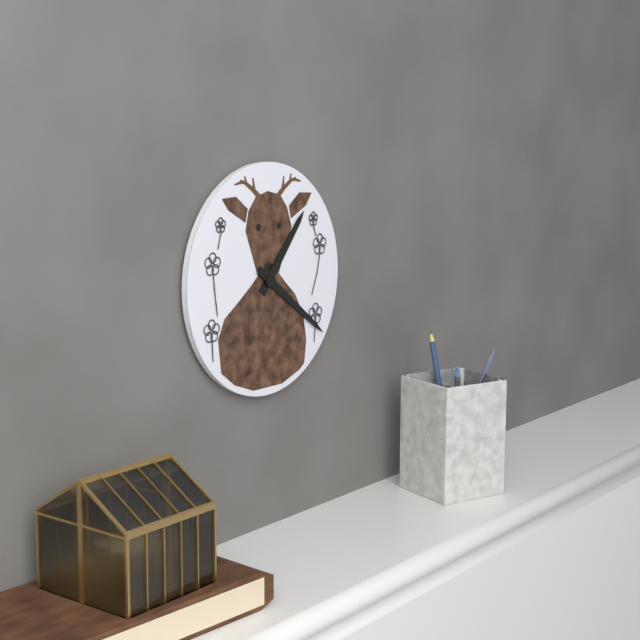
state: 1:21
